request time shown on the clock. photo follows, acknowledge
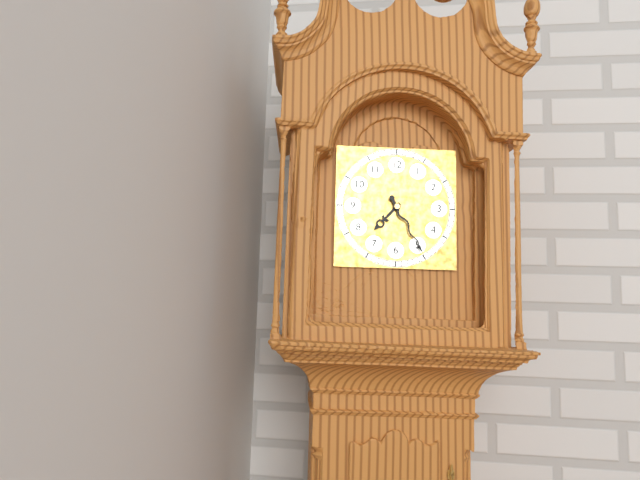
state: 7:25
